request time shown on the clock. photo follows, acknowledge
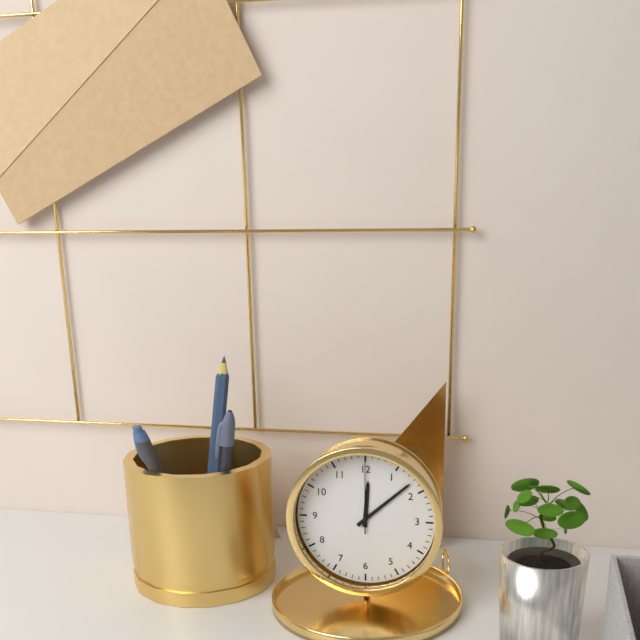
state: 12:08:00
